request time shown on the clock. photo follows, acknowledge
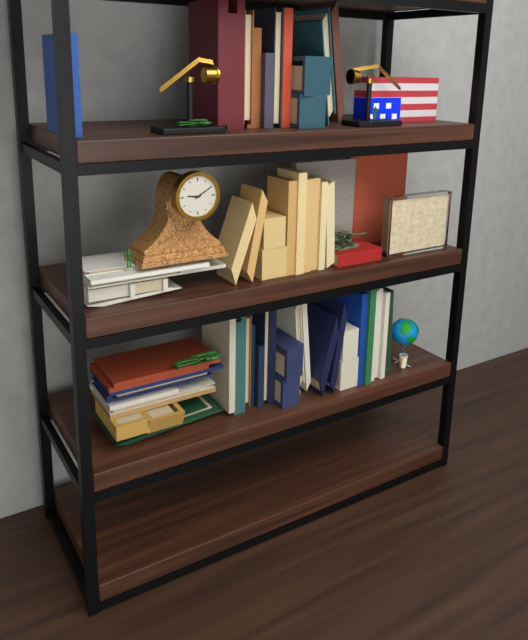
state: 9:10
